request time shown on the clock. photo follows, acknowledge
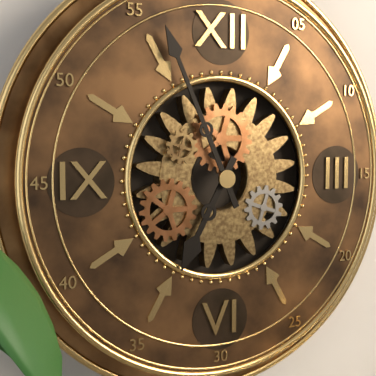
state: 6:56
